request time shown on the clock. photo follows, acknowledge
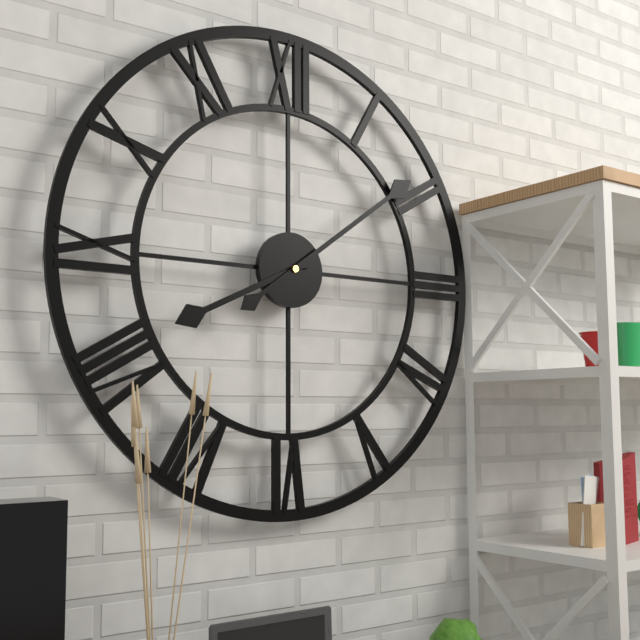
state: 8:09
